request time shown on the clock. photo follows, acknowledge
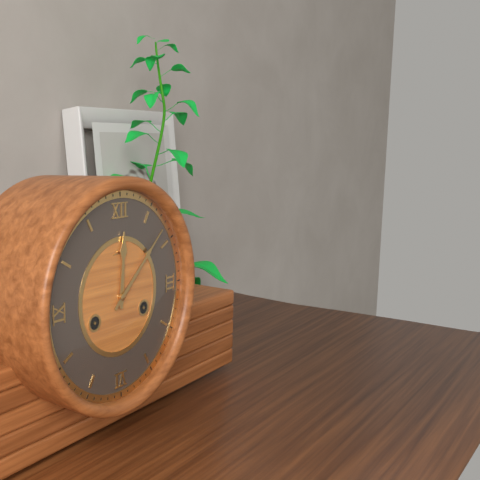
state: 12:08
